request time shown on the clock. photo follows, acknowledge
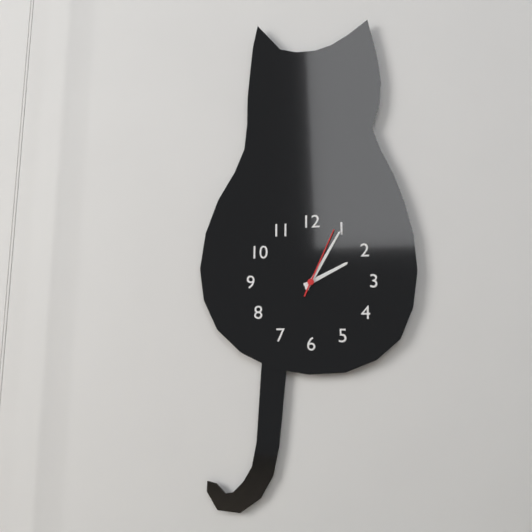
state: 2:05:04
